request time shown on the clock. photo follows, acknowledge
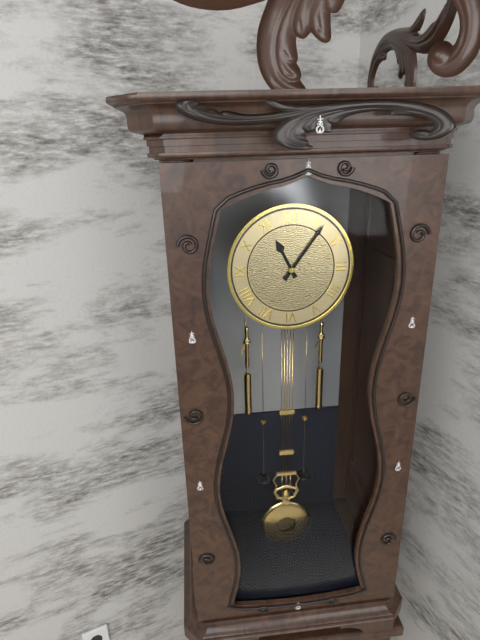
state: 11:06
